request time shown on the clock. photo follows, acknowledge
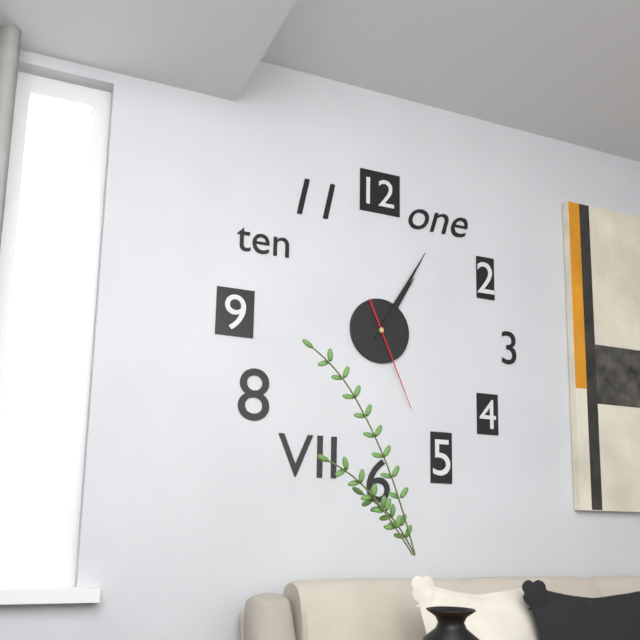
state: 1:05:26
